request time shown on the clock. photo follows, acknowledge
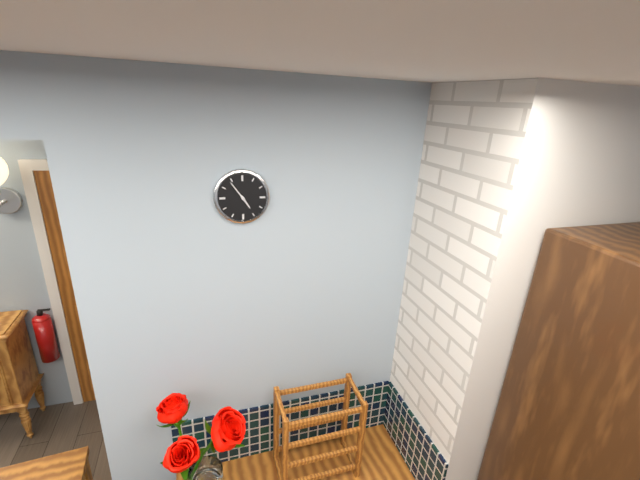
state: 4:54
